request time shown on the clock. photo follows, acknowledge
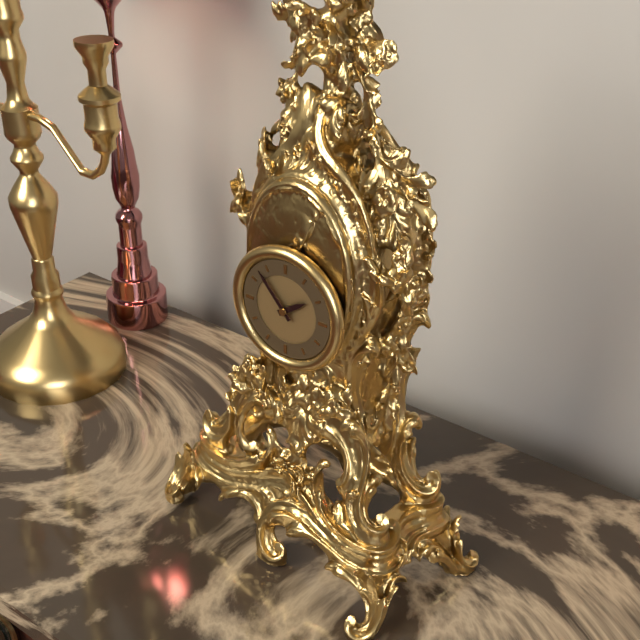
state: 1:53
